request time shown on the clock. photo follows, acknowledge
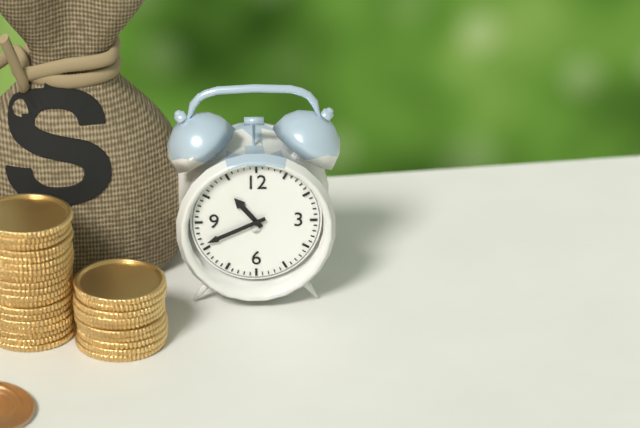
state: 10:41
